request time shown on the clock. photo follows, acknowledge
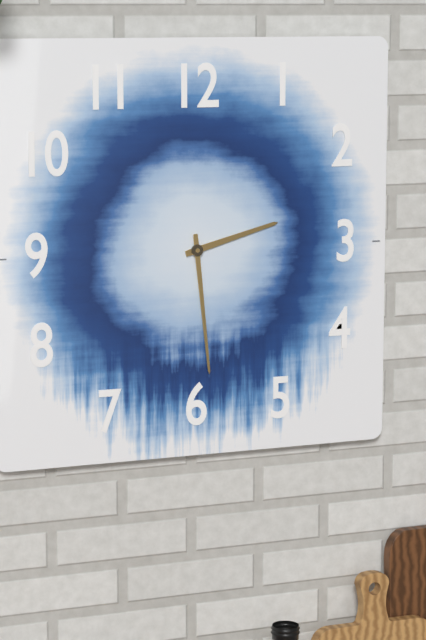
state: 2:29
